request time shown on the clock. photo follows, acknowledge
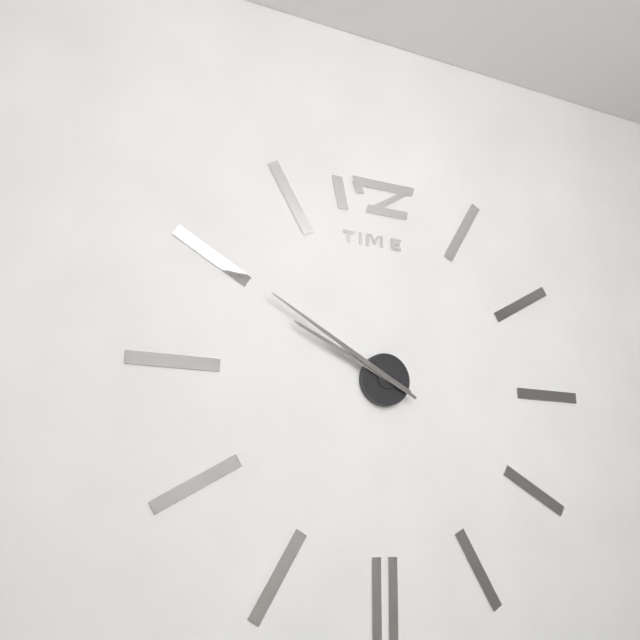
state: 9:50
